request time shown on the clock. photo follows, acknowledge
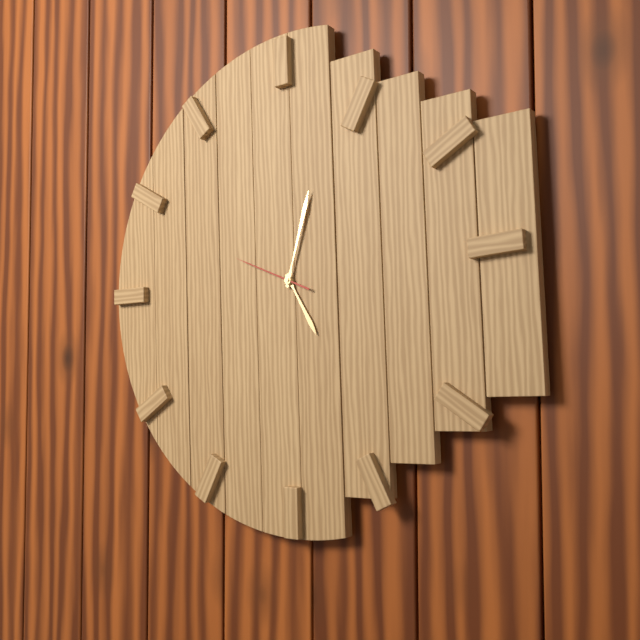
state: 5:03:49
